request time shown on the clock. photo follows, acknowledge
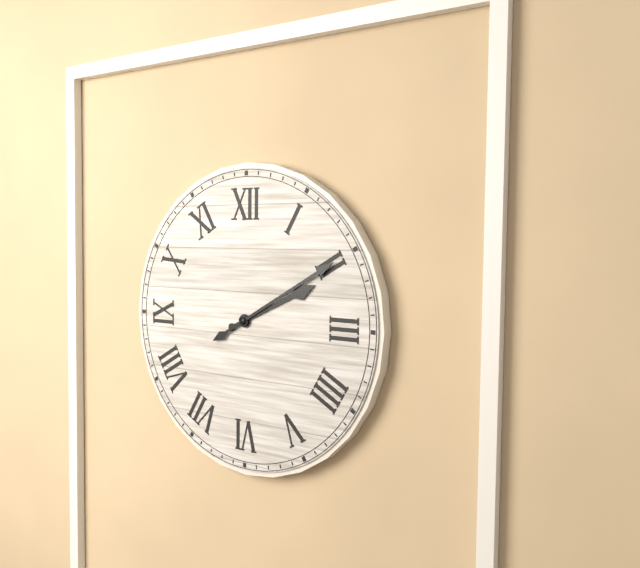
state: 2:10
